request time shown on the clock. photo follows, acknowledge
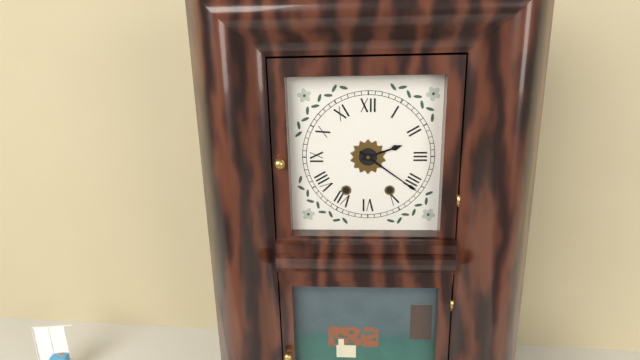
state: 2:21
